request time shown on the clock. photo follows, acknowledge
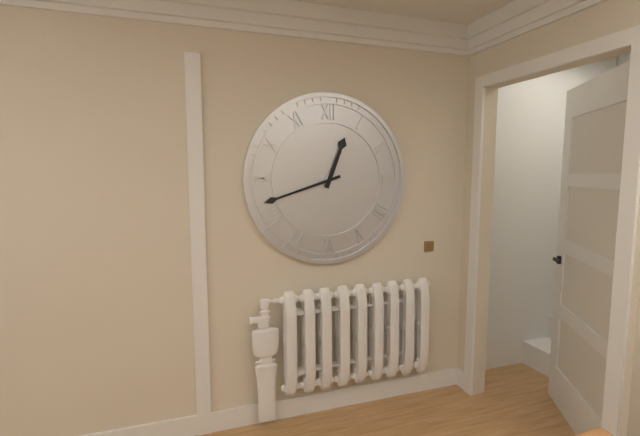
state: 12:42
